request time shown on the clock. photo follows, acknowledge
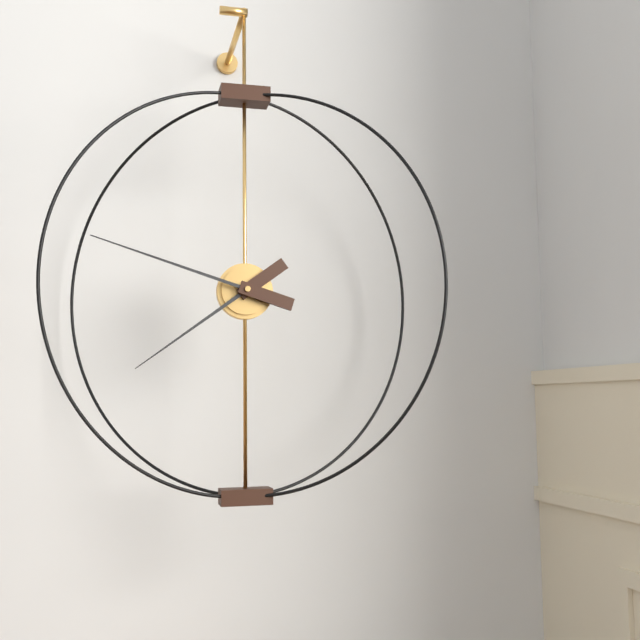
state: 7:48
